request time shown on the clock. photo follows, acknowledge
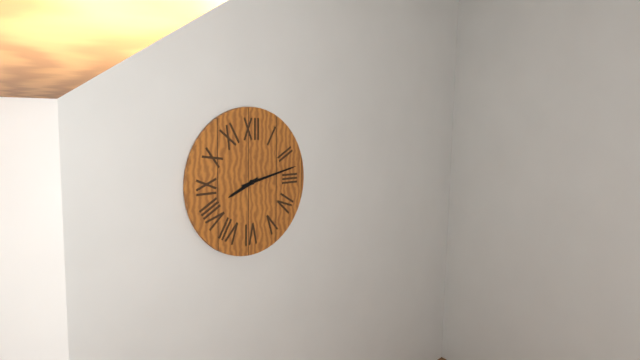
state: 8:13
